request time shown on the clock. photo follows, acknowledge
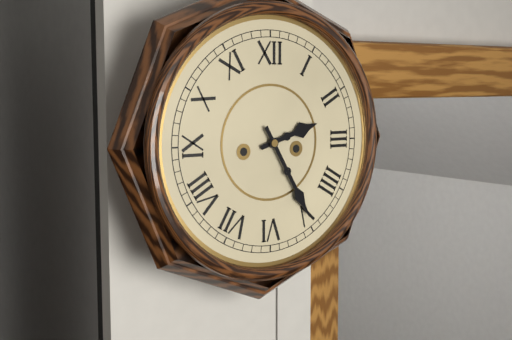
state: 2:25
